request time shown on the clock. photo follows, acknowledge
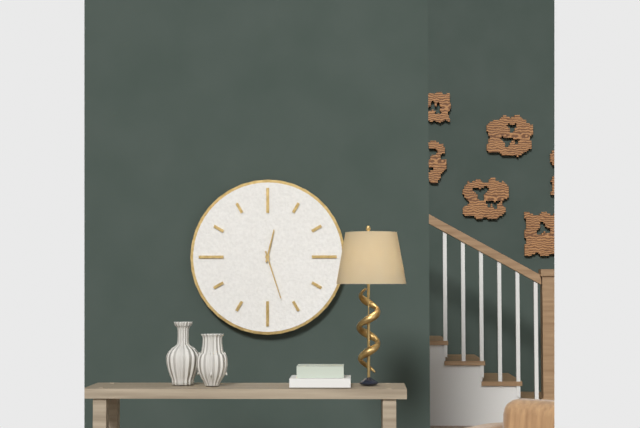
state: 12:27
